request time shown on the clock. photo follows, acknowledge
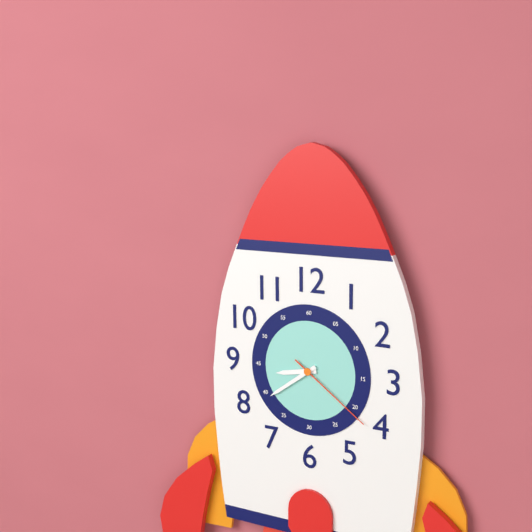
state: 8:39:21
